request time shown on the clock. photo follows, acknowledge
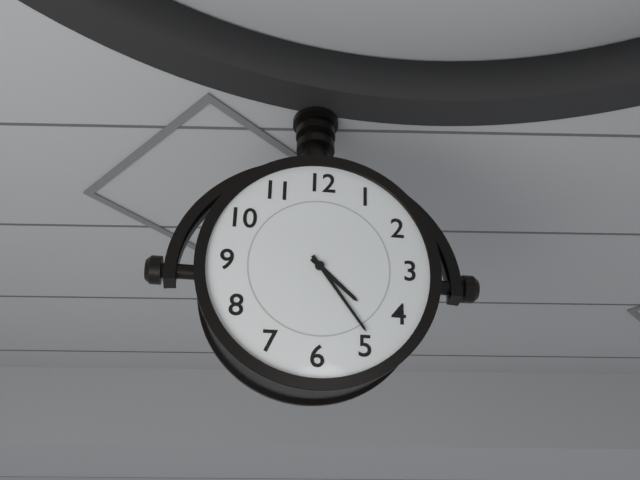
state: 4:24
